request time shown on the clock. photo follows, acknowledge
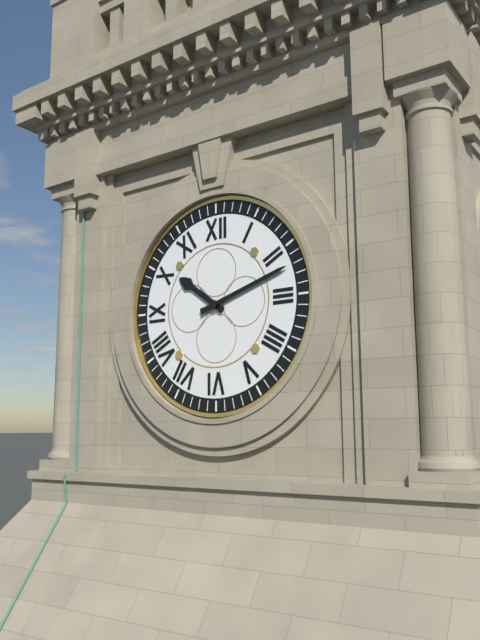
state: 10:12
